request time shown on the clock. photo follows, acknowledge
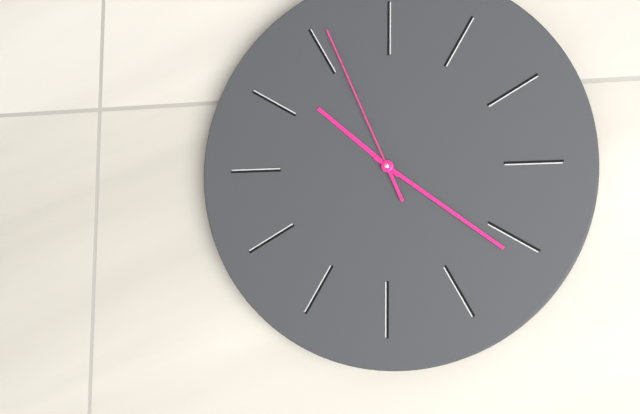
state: 10:21:56
